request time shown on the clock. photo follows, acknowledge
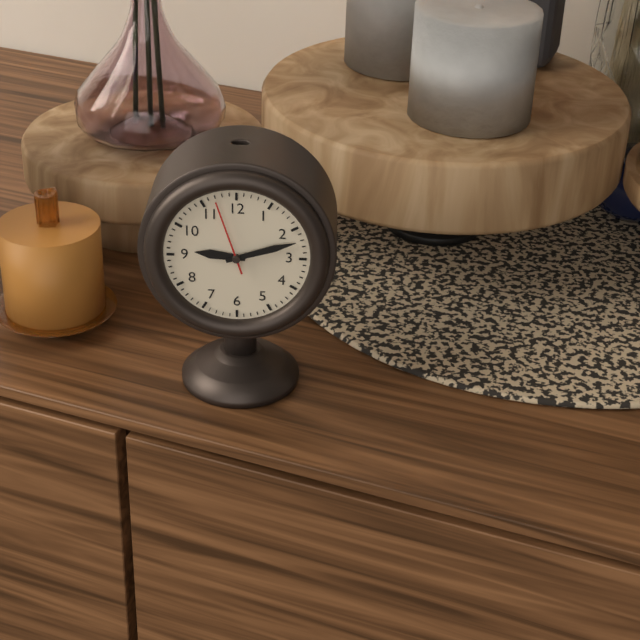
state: 9:12:57
